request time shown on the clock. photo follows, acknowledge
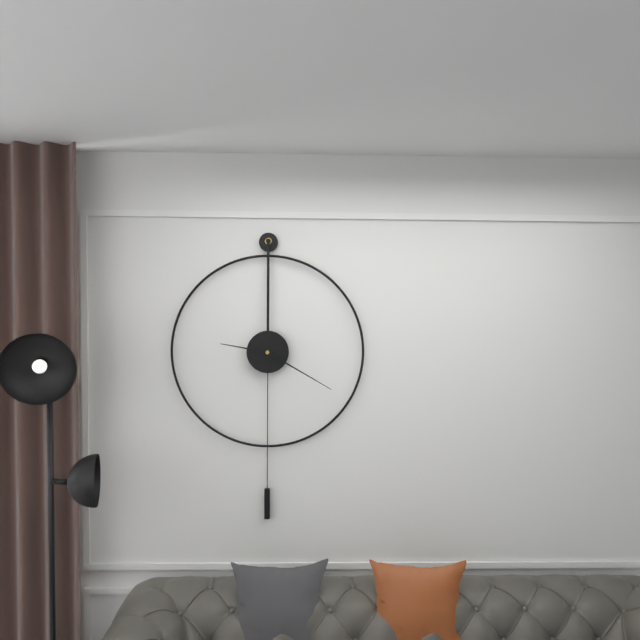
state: 9:20
